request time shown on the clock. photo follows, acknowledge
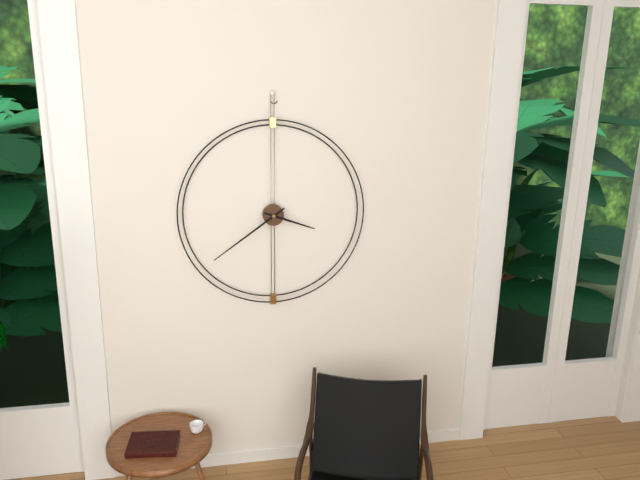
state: 3:39
